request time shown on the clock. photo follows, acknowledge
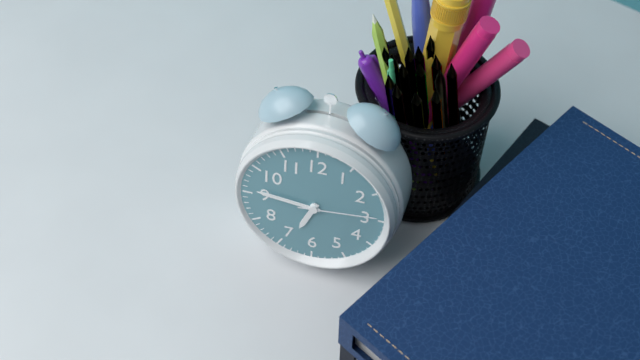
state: 6:46:14
